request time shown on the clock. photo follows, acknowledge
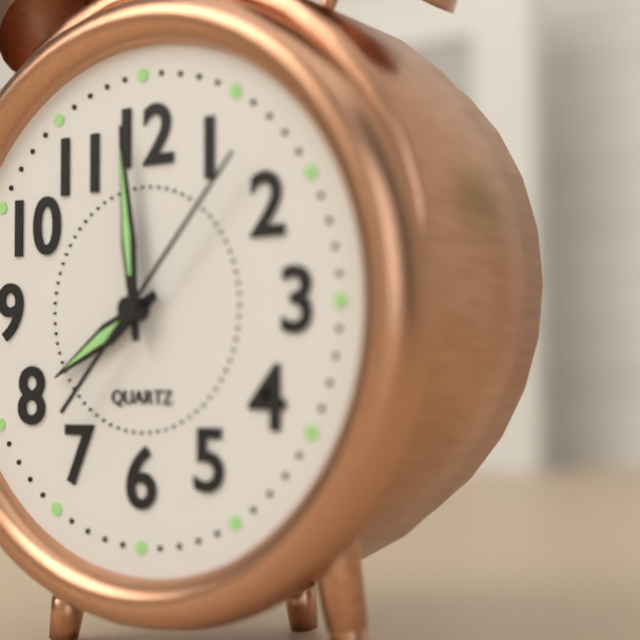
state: 7:59:07
